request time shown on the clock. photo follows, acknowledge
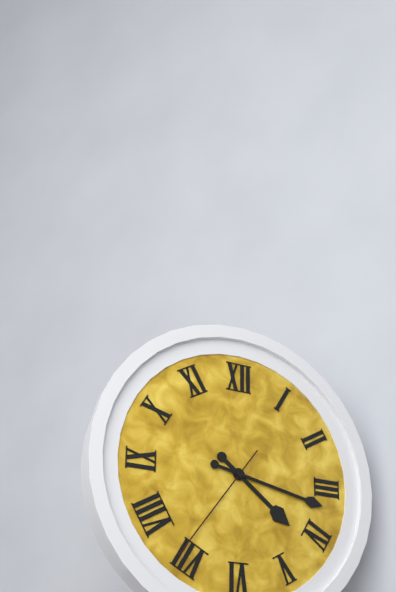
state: 4:17:36
